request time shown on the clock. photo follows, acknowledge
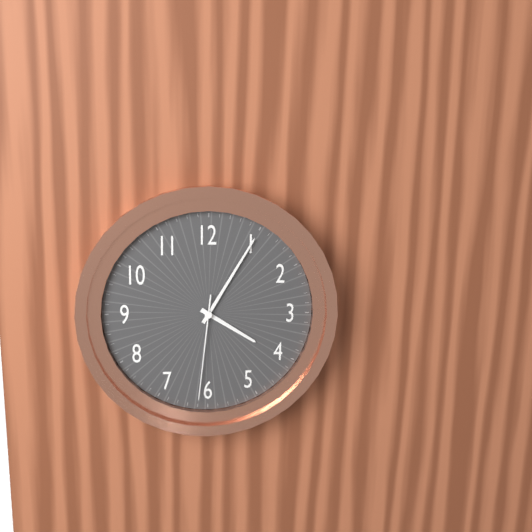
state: 4:05:31
